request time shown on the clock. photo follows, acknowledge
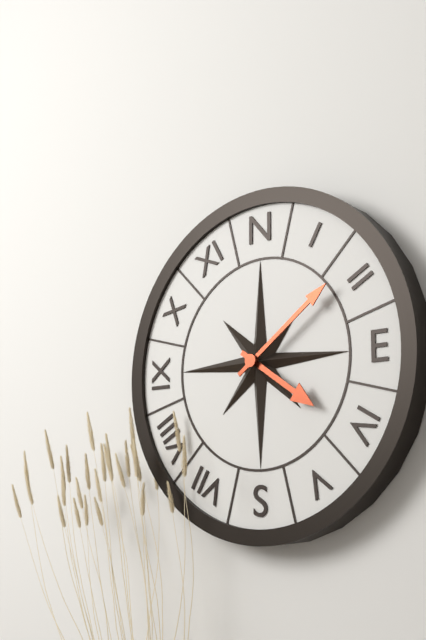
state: 4:09
